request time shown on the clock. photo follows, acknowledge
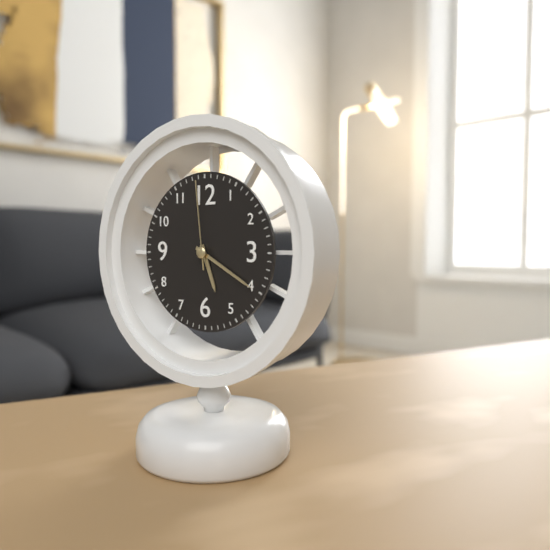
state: 5:20:59
